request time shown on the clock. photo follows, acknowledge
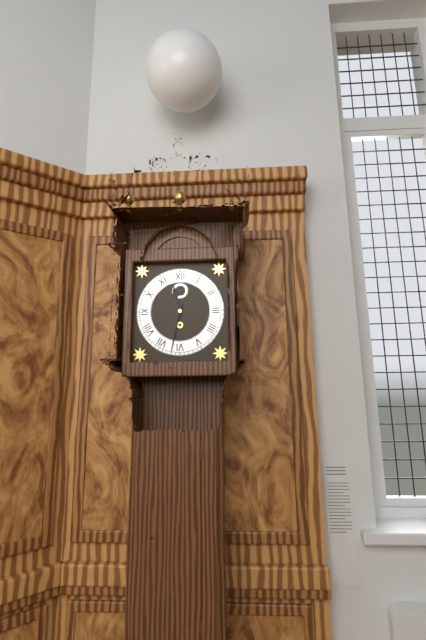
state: 11:32
